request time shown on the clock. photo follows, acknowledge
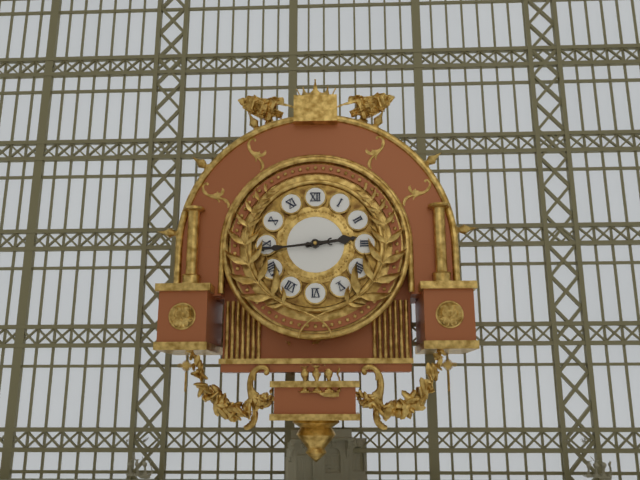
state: 2:44
